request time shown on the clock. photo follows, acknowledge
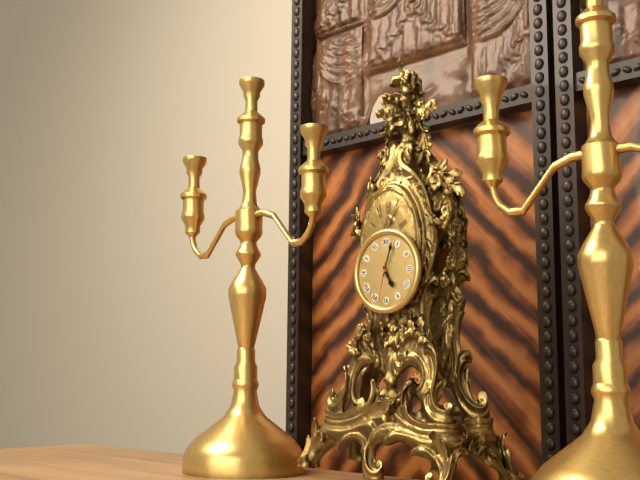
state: 5:03
